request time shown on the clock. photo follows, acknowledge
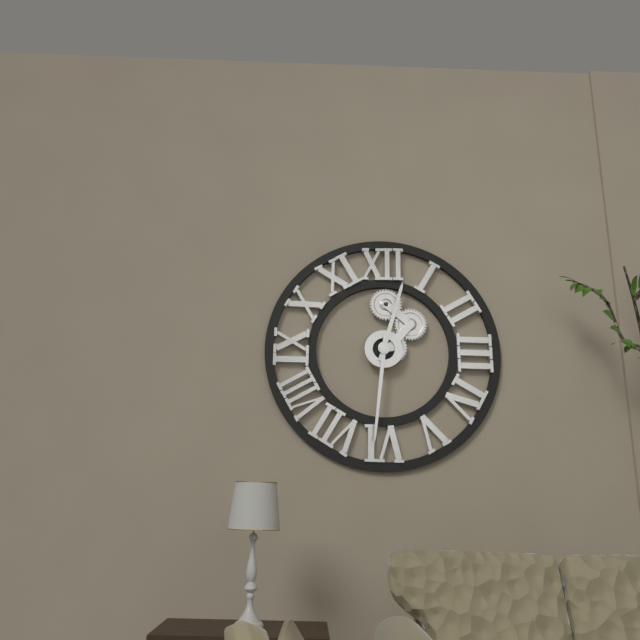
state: 12:31
